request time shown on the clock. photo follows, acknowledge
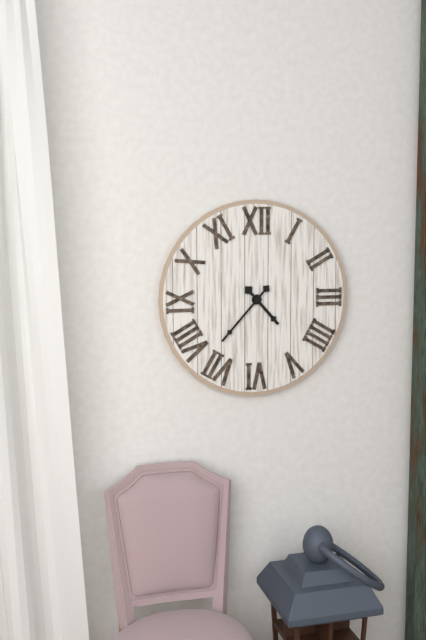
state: 4:37
